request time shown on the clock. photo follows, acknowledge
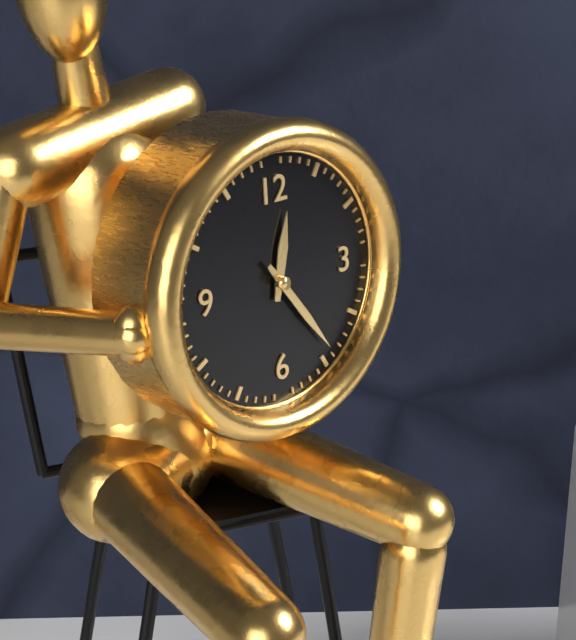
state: 12:24
